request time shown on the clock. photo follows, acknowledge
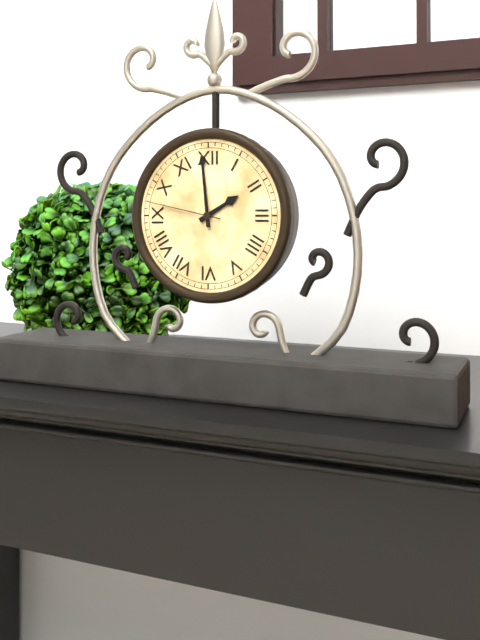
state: 1:59:47
